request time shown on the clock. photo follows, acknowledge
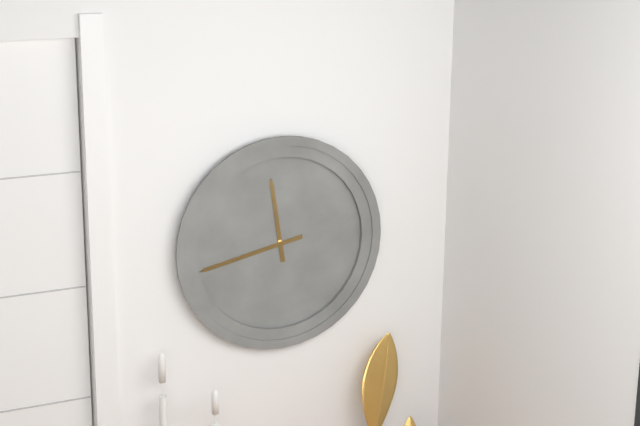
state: 11:43
